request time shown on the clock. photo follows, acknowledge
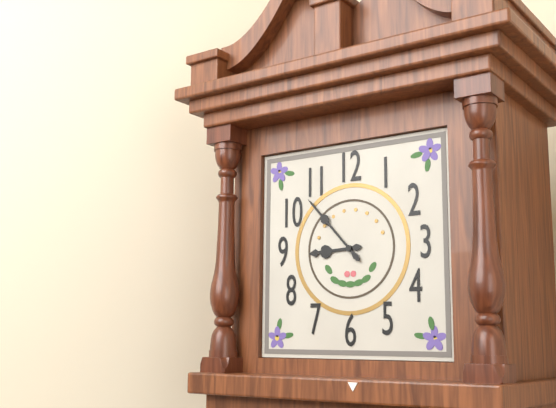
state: 8:53
